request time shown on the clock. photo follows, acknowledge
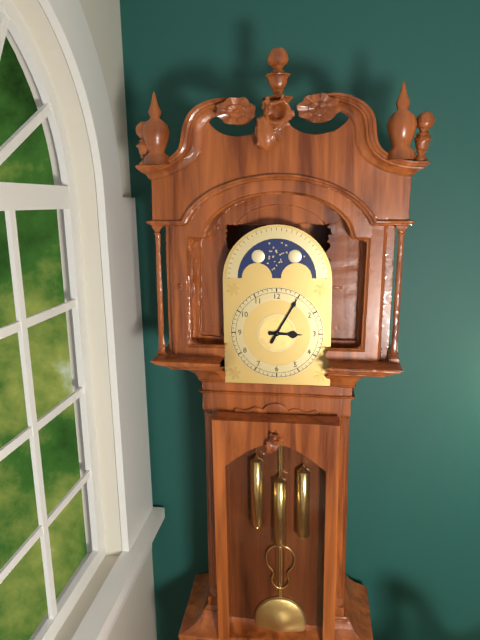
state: 3:05
